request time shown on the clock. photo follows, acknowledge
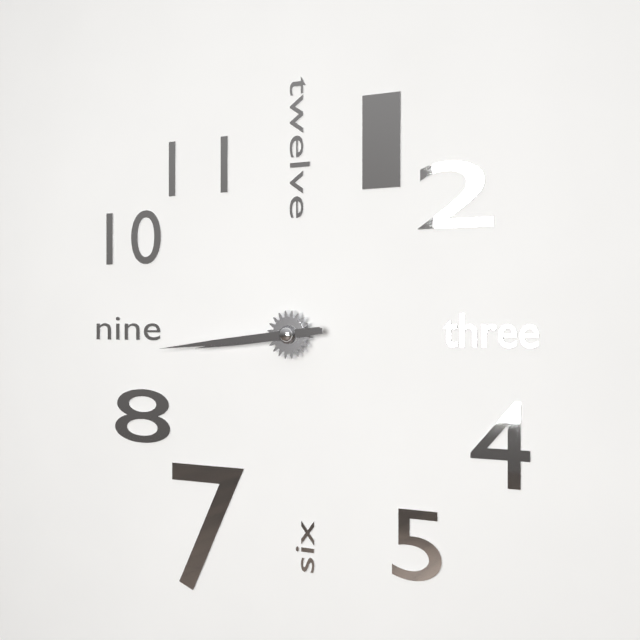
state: 8:44
